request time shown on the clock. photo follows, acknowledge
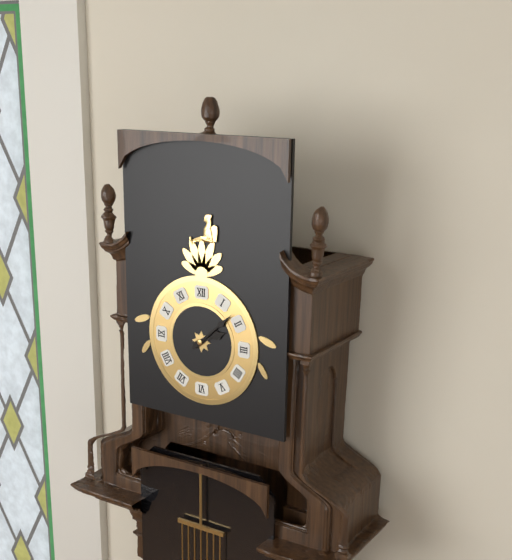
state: 2:08
